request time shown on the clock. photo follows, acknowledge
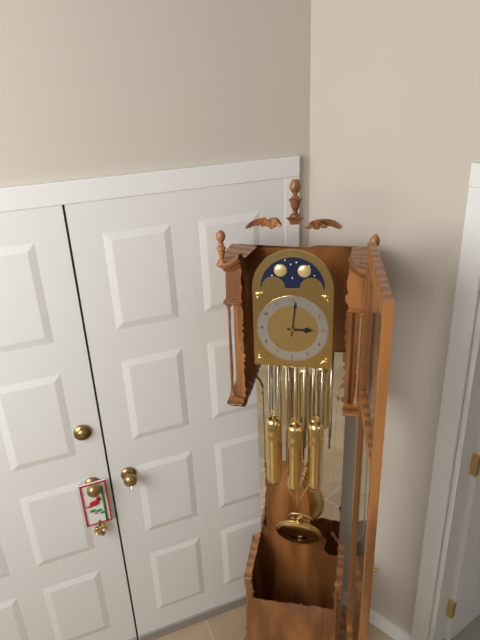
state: 3:01
